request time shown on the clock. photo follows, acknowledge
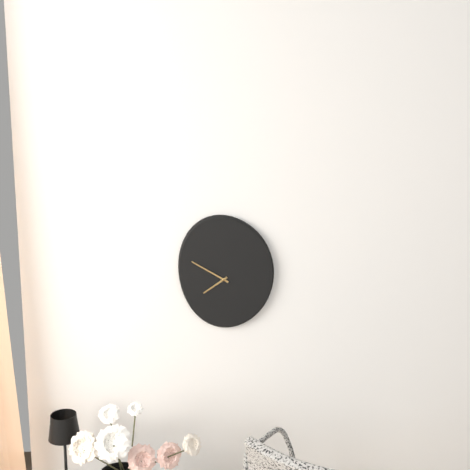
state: 7:50
